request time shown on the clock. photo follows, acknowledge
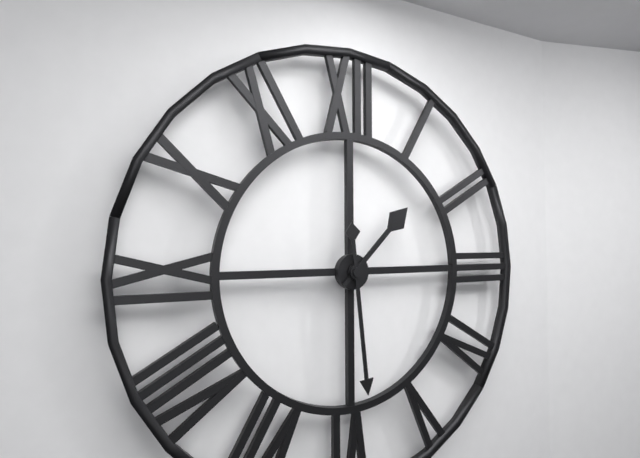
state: 1:29
